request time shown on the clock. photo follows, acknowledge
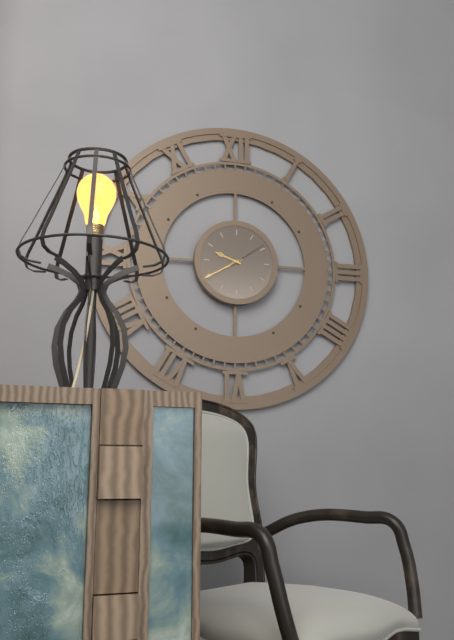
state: 9:40
